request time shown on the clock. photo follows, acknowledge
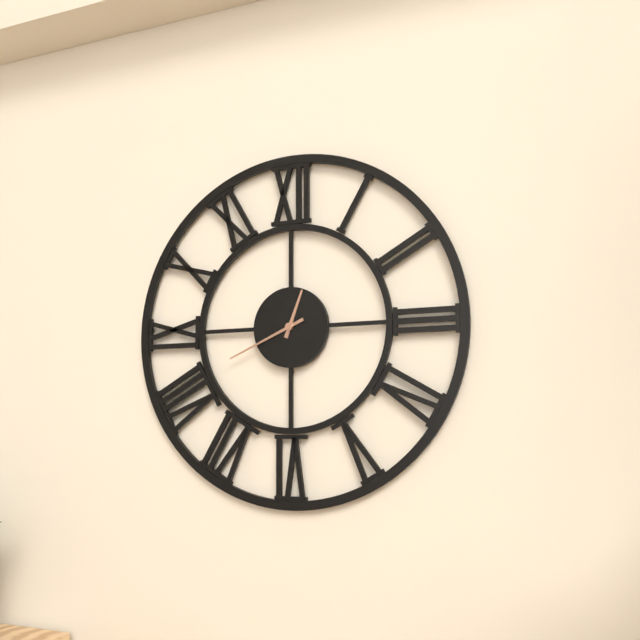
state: 12:41
